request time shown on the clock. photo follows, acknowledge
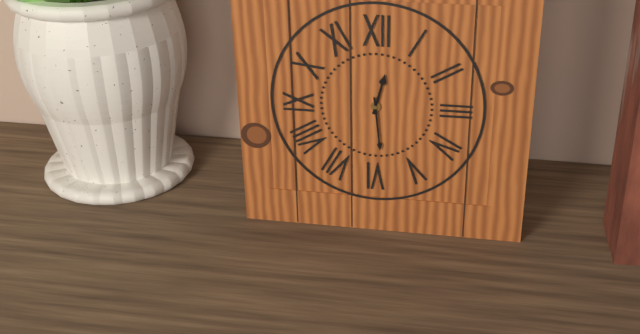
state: 12:29
